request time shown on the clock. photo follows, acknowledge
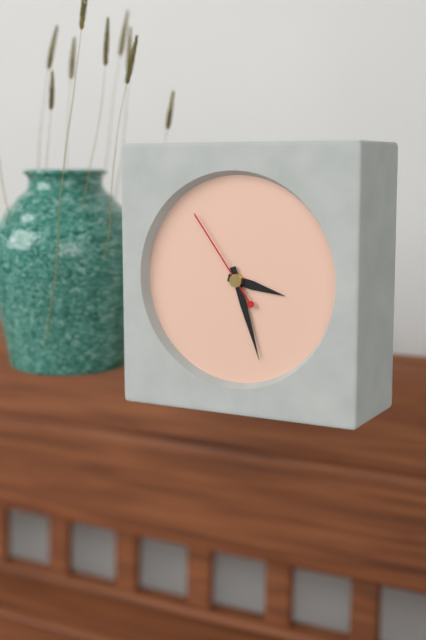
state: 3:27:54
